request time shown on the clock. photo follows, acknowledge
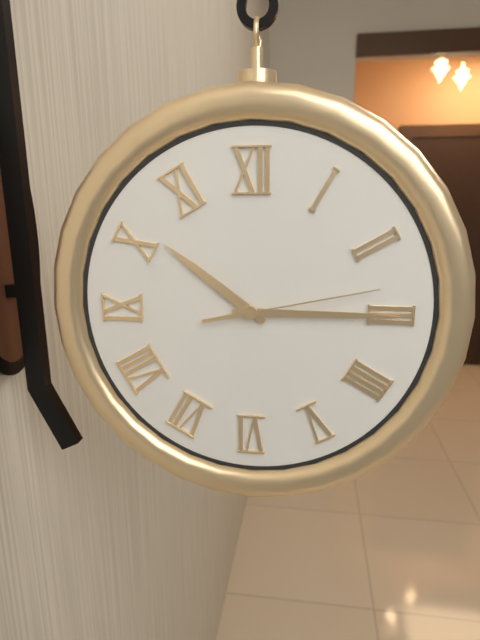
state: 10:15:13
